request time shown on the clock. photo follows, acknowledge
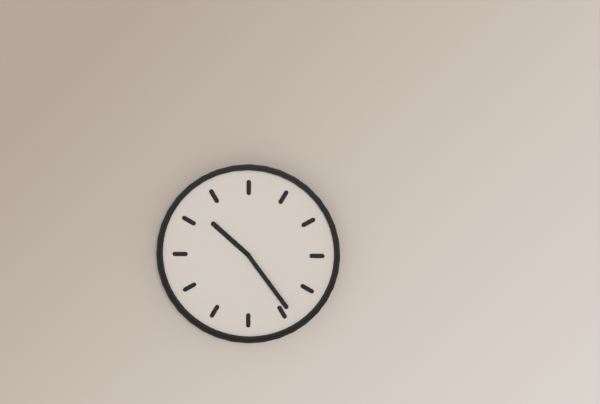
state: 10:24
